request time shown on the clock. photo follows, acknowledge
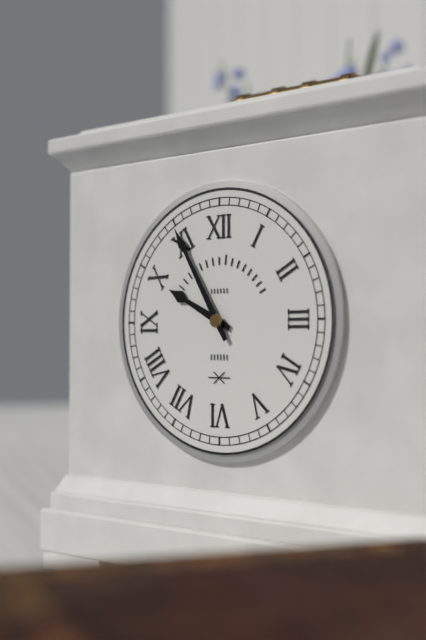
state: 9:55
